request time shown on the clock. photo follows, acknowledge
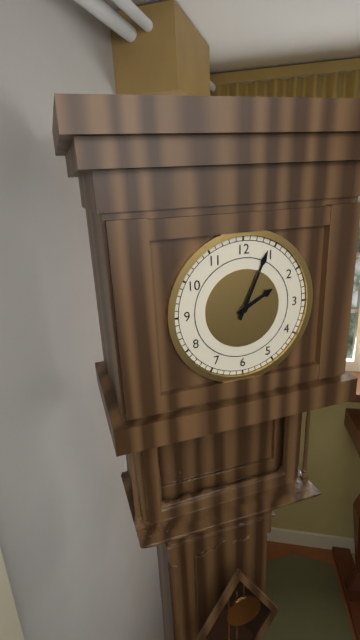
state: 2:04
